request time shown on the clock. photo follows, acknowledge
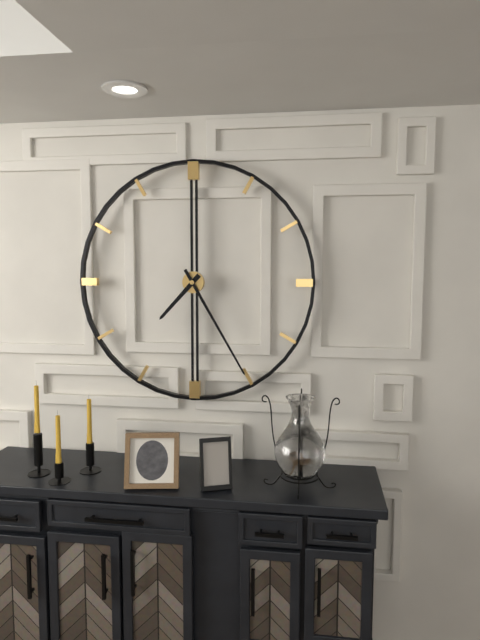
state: 7:25
